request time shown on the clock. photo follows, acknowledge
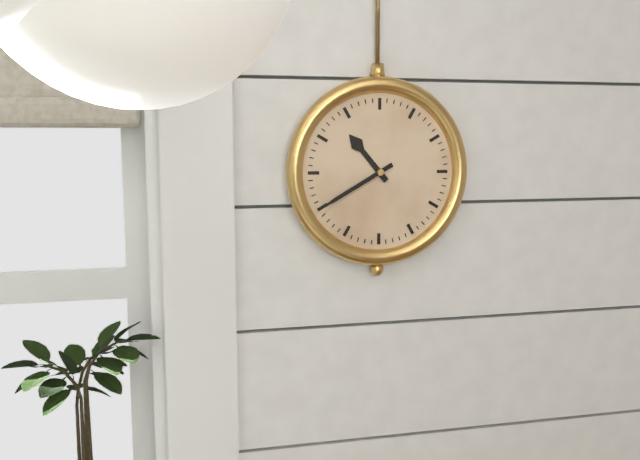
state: 10:40
